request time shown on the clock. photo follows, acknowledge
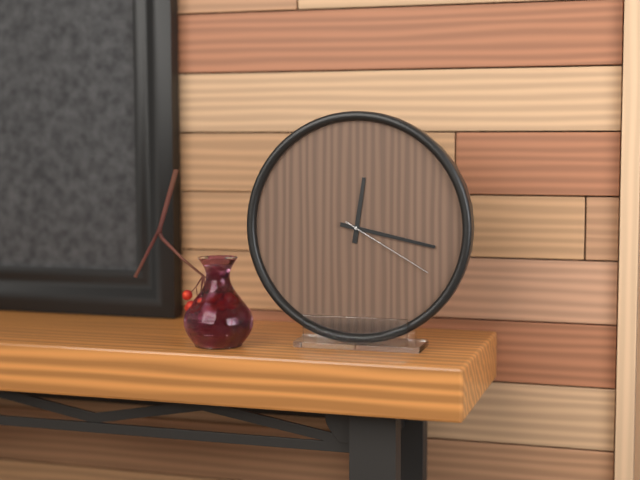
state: 12:17:20
